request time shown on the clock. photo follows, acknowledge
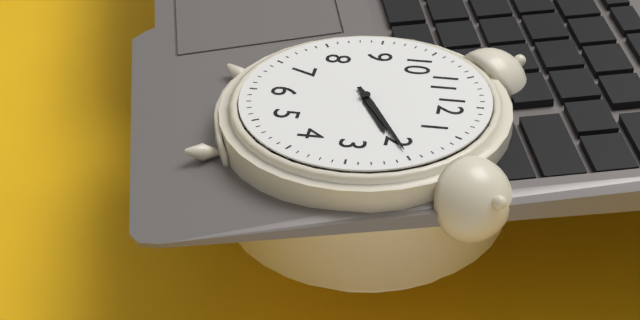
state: 2:10
